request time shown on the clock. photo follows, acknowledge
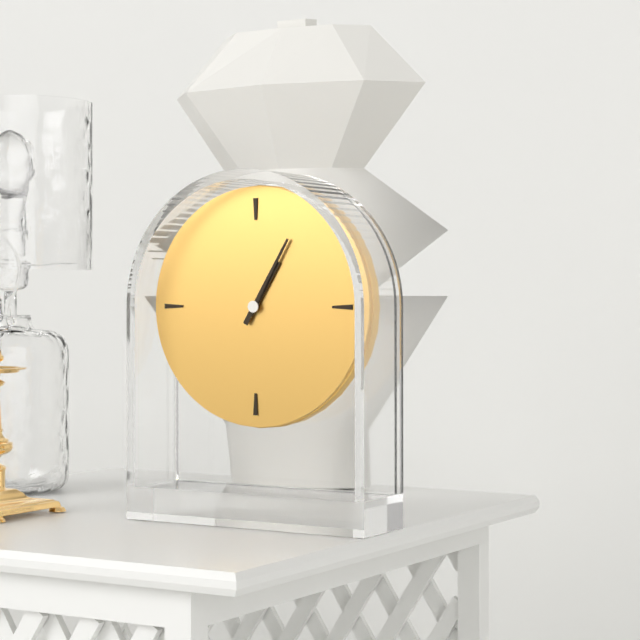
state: 1:05
